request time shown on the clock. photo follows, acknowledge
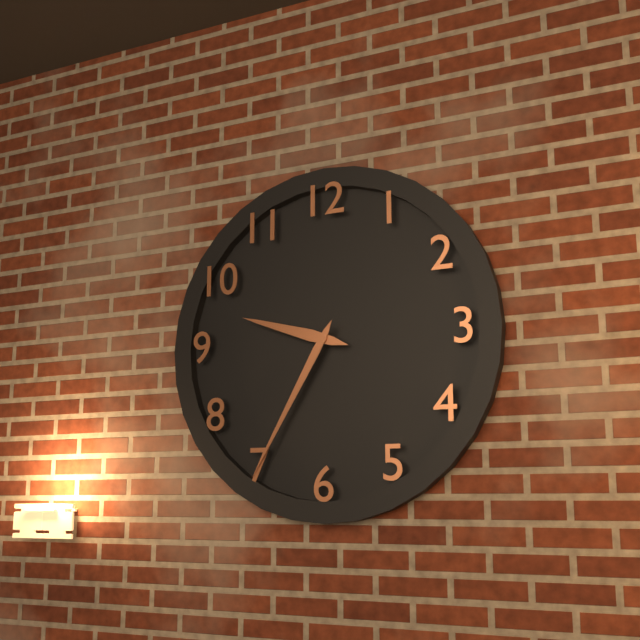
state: 9:35
